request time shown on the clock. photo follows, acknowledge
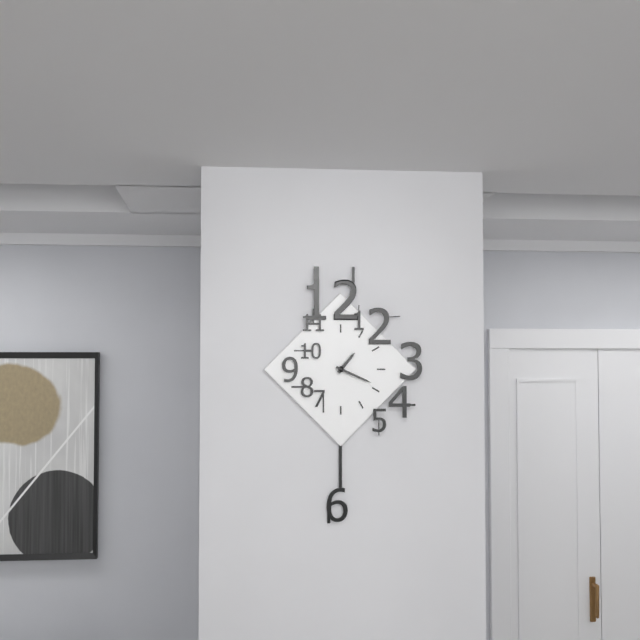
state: 1:19
